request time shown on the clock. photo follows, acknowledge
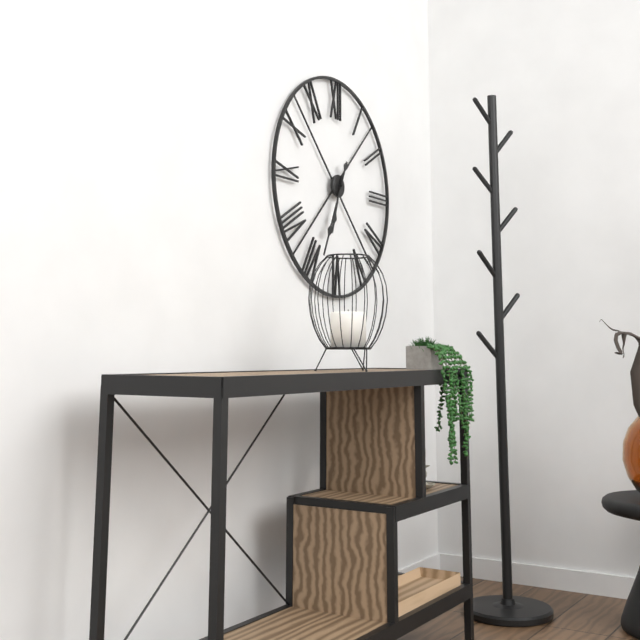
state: 6:34
